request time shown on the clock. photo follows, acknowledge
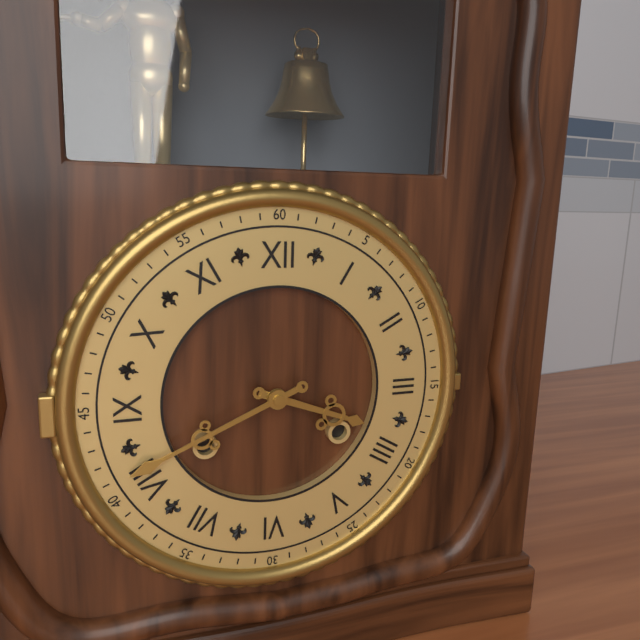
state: 3:41
